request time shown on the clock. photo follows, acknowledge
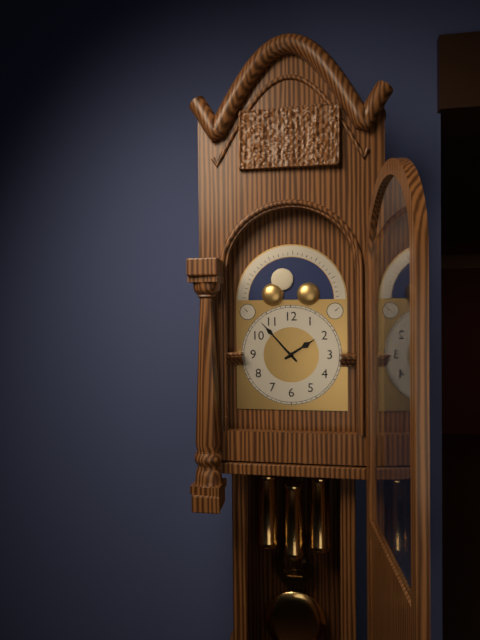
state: 1:53
